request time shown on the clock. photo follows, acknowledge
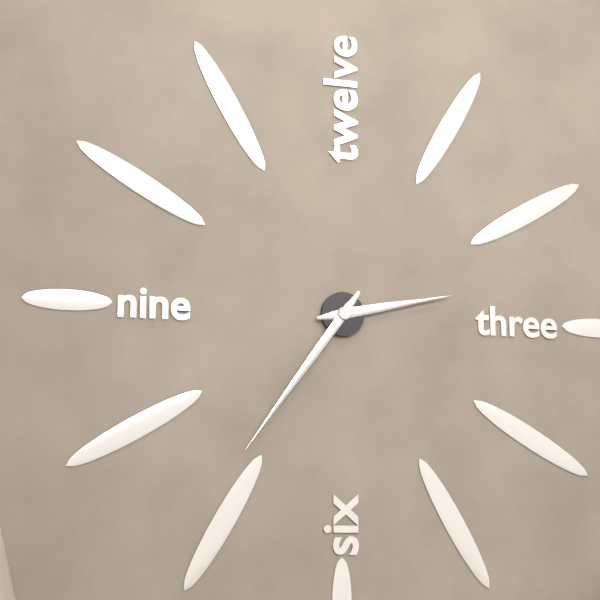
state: 2:36
